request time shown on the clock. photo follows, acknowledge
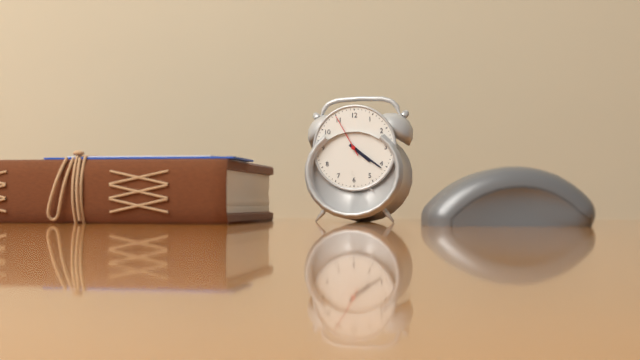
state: 4:21
